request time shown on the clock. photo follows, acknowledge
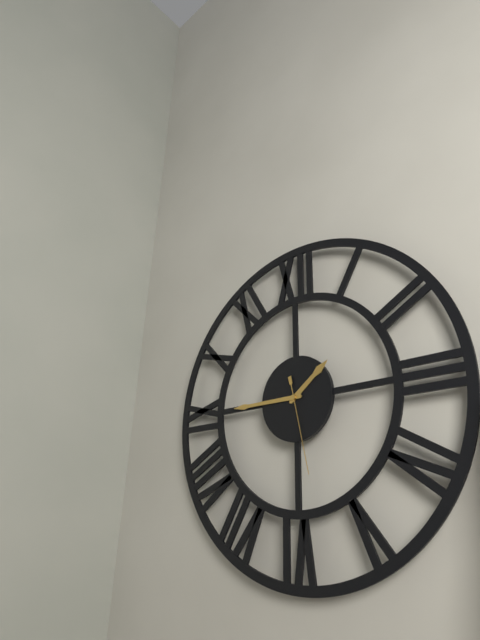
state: 1:45:28
